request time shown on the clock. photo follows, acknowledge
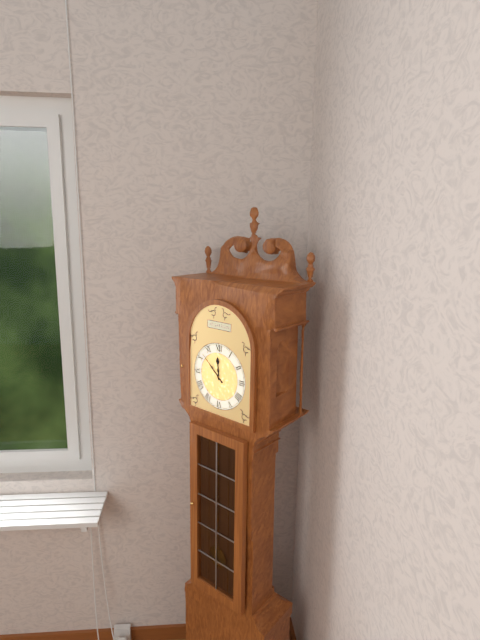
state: 11:52
